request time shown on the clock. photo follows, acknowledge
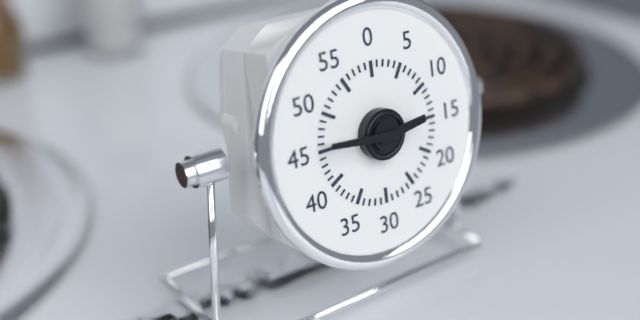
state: 2:46
